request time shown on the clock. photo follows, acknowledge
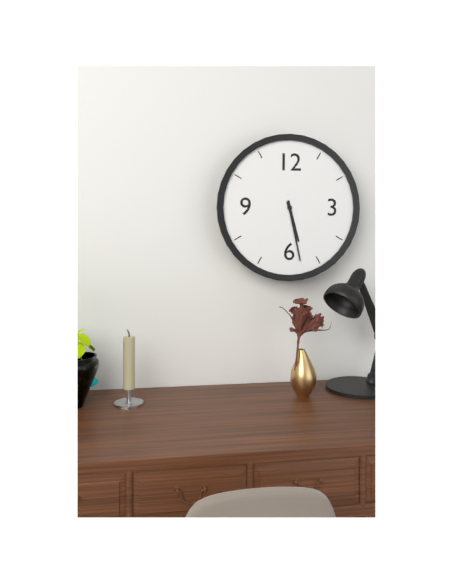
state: 5:28
